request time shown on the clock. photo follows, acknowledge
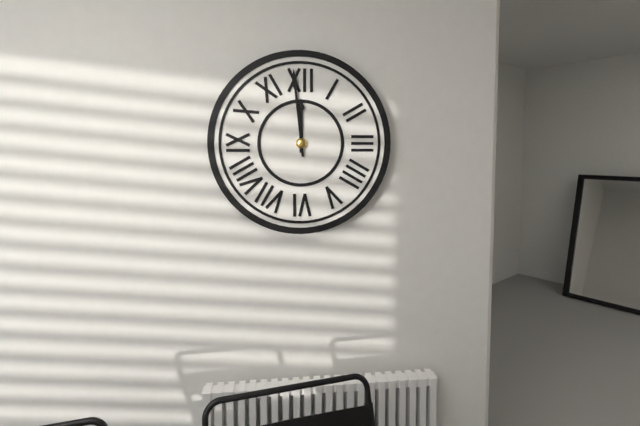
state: 11:59
